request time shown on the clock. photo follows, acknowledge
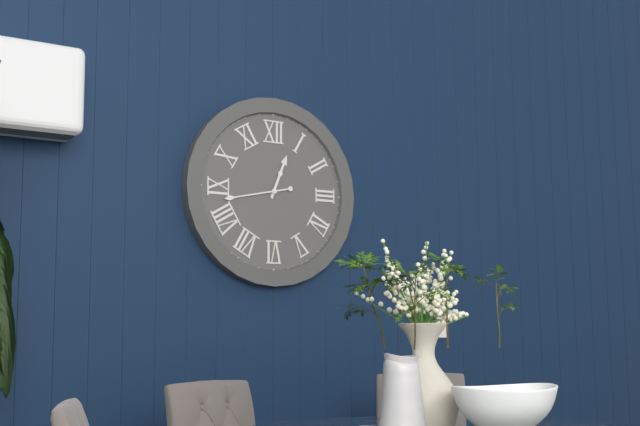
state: 12:43
